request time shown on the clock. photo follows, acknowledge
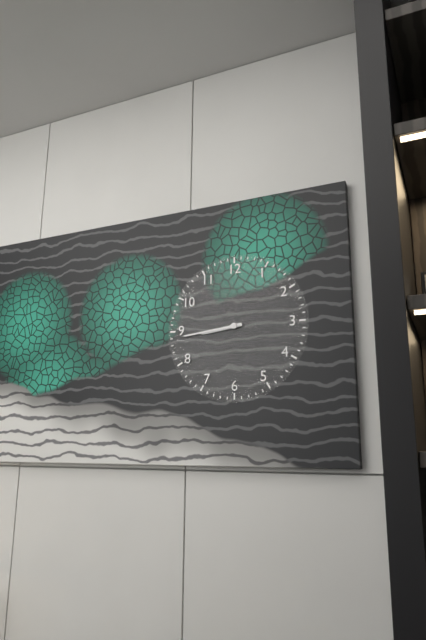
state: 8:44
